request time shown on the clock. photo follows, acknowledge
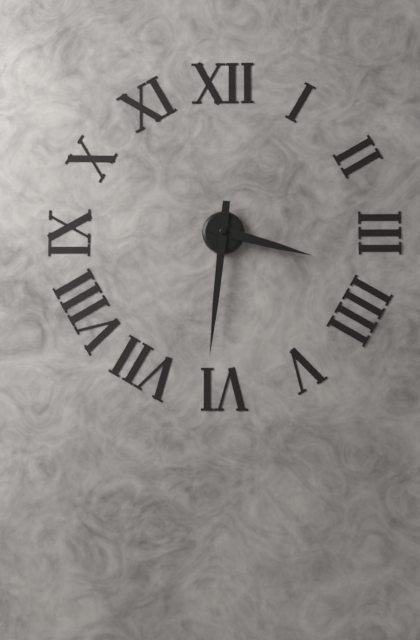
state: 3:31
